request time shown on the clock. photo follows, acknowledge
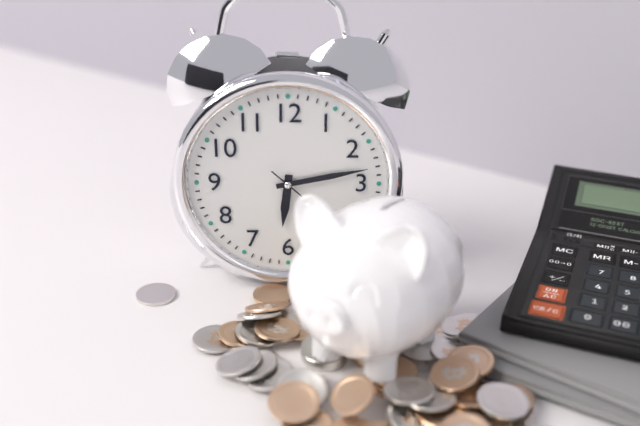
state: 6:13
